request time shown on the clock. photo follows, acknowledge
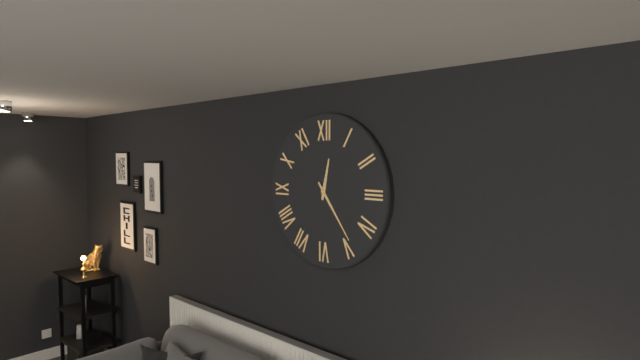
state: 12:24
